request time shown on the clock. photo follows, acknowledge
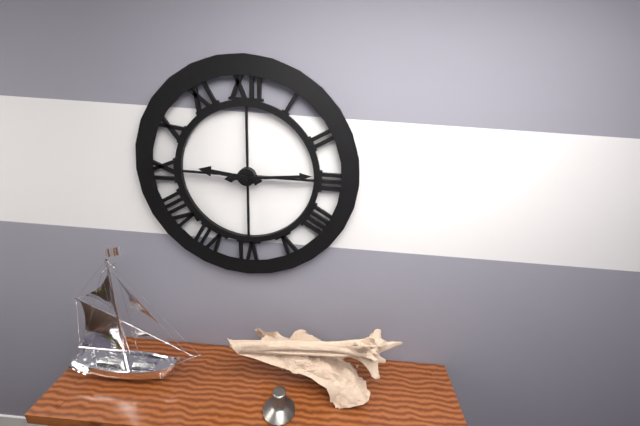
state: 9:14
